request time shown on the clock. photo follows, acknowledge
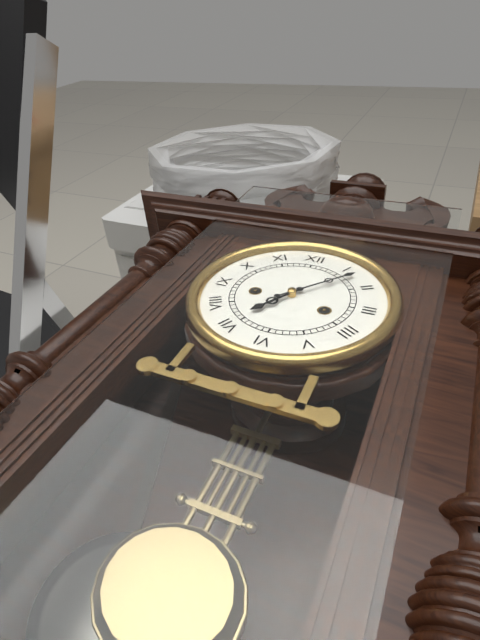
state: 7:07
